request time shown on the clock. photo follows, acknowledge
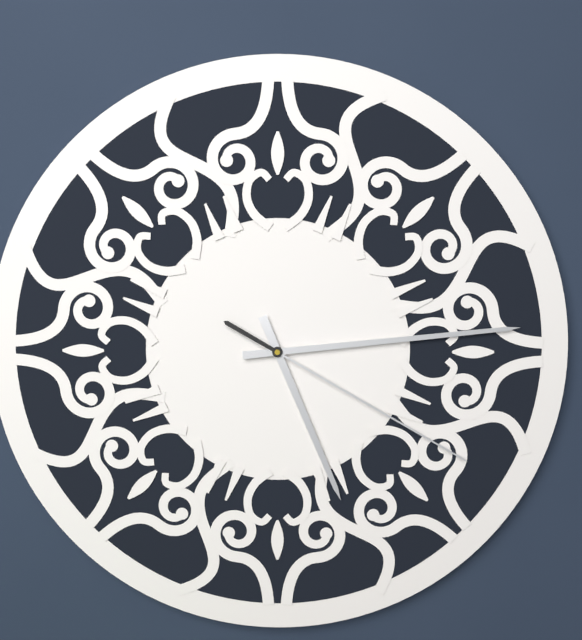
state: 5:14:20
